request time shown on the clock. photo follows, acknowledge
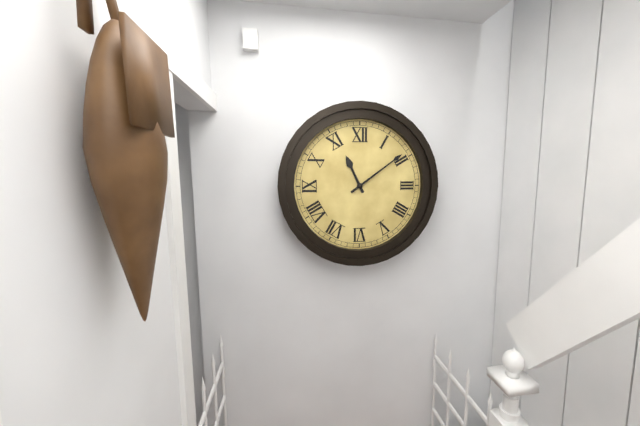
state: 11:09
